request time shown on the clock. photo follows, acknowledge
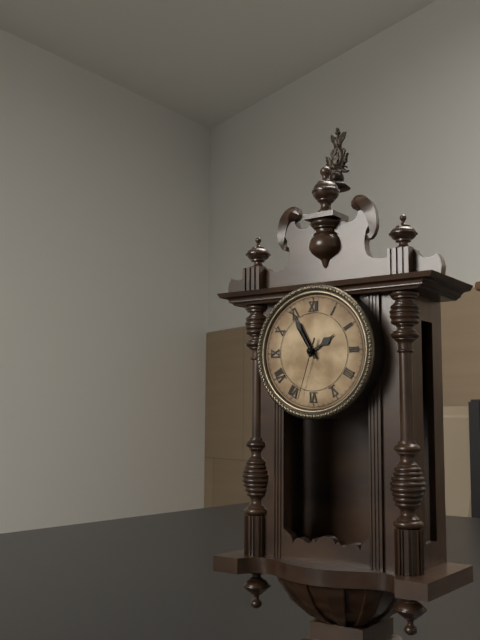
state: 1:55:33
